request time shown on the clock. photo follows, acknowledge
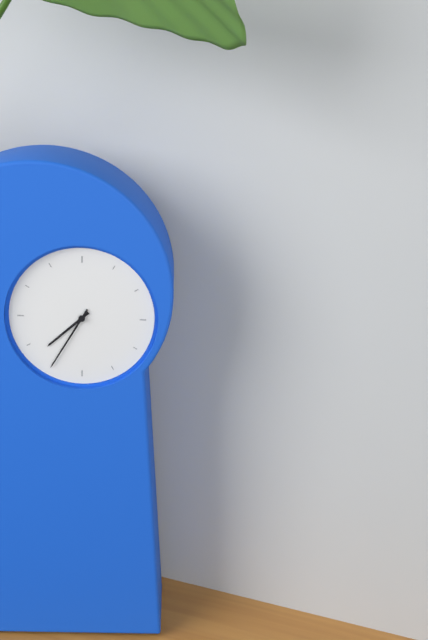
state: 7:35
